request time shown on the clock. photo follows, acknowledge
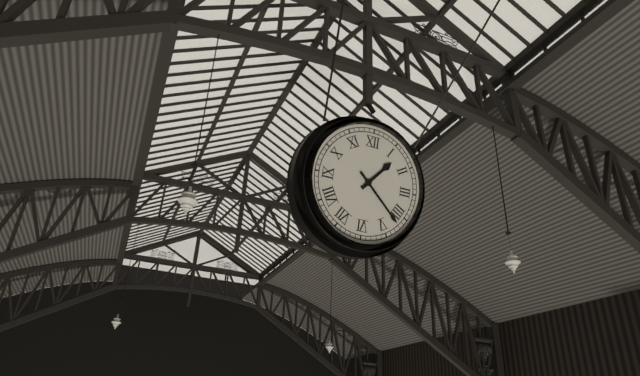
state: 1:22
